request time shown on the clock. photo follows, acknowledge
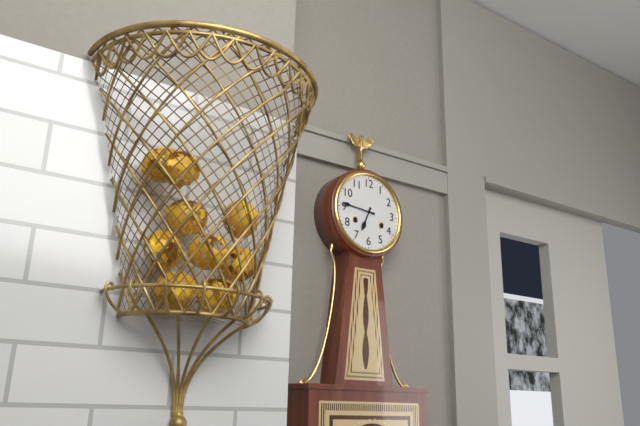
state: 6:46
